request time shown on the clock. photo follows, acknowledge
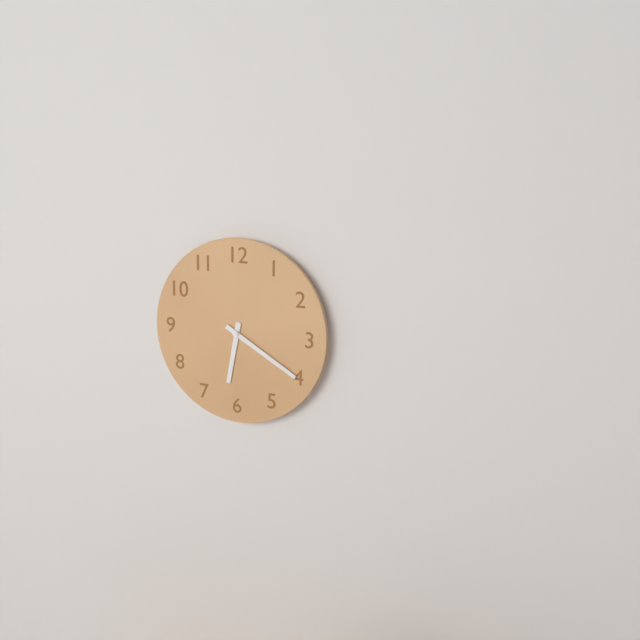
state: 6:20
